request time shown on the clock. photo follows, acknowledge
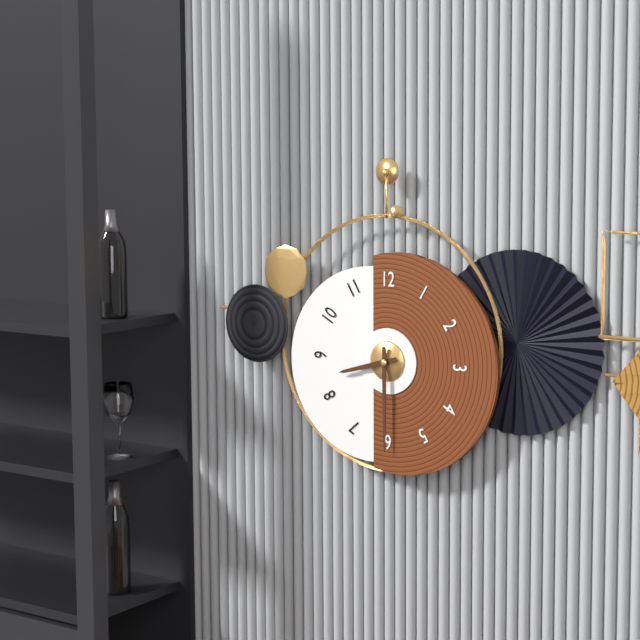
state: 8:30
